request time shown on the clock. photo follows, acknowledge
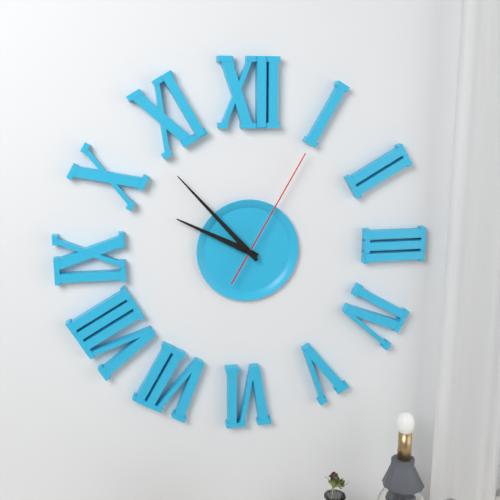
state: 9:53:05
